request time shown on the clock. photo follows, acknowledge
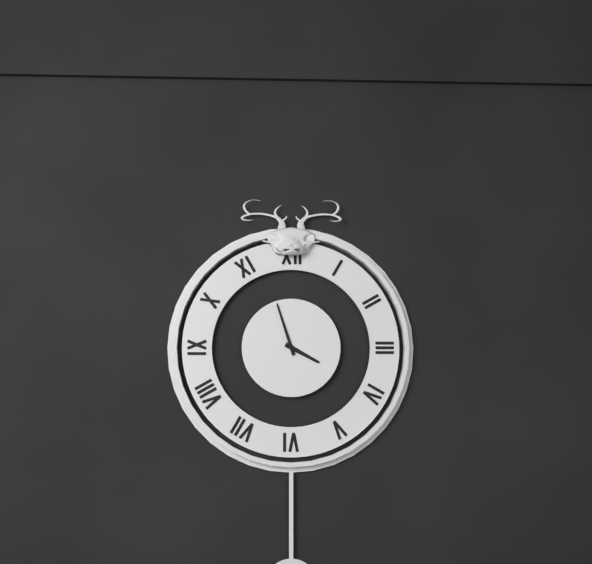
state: 3:57
